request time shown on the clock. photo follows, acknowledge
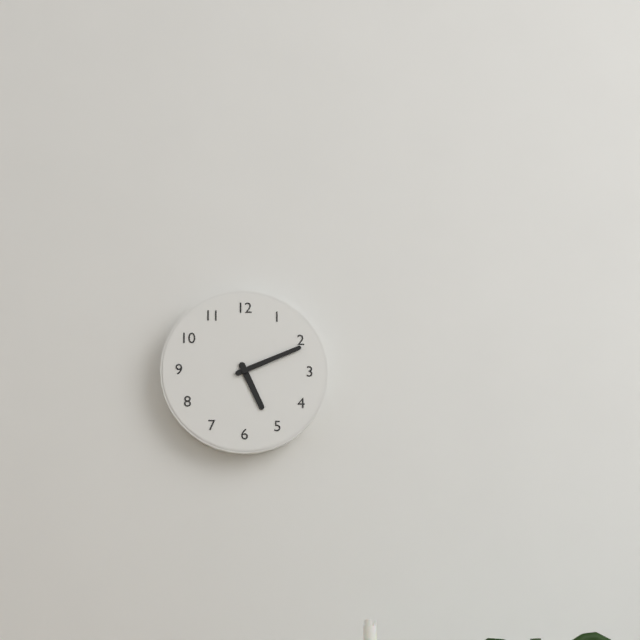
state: 5:11
